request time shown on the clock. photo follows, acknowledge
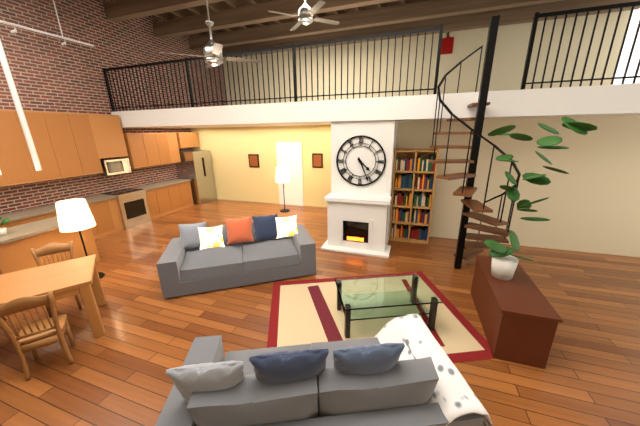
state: 4:26
